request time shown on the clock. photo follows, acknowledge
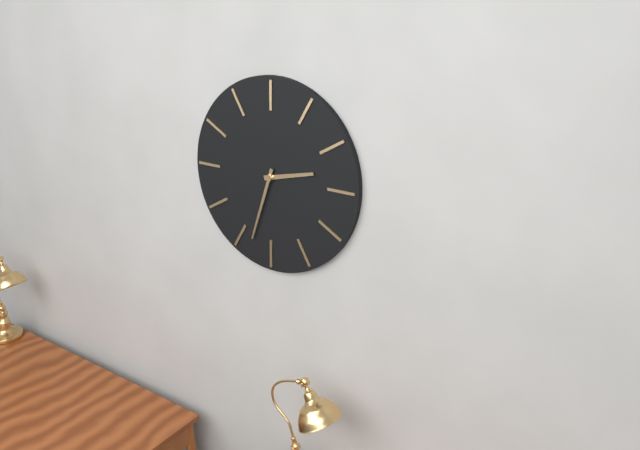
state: 2:33
